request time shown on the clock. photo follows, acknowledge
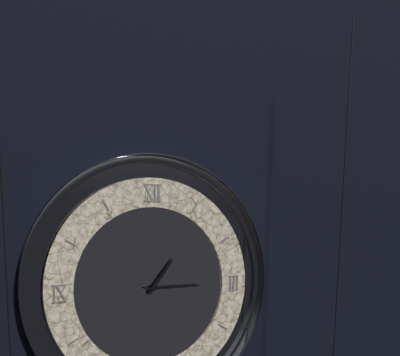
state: 1:15
